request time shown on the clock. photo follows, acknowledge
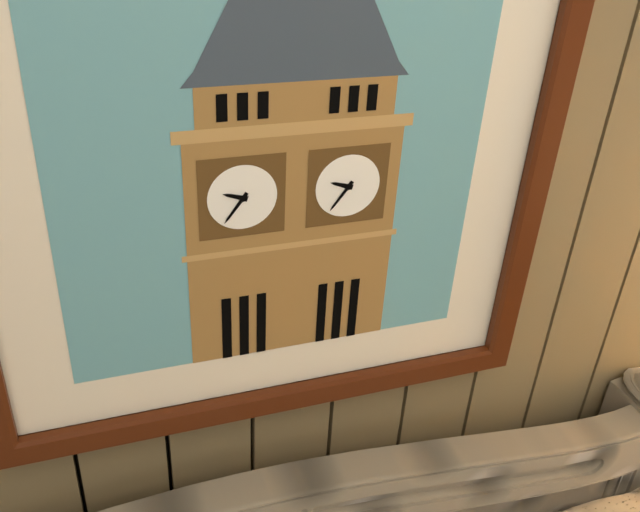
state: 9:36
